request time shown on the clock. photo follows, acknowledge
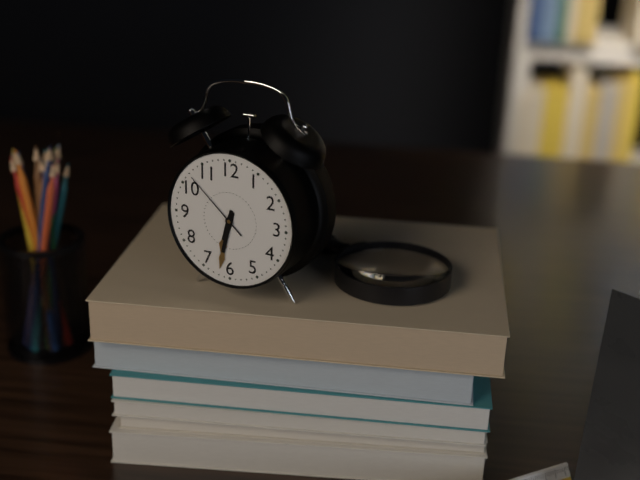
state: 6:32:52
